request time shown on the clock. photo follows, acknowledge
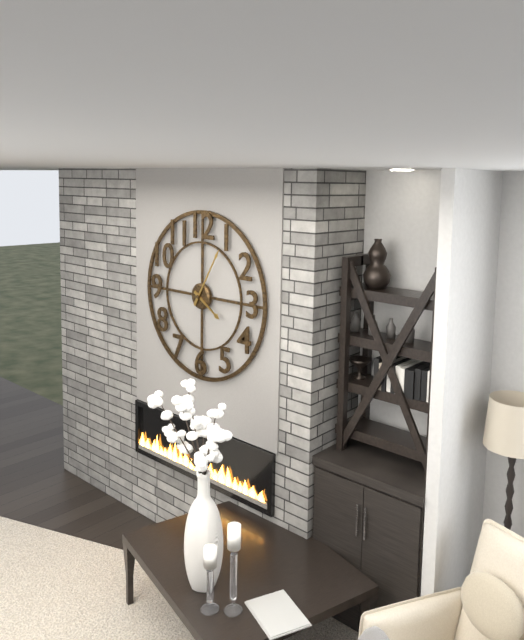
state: 4:05
